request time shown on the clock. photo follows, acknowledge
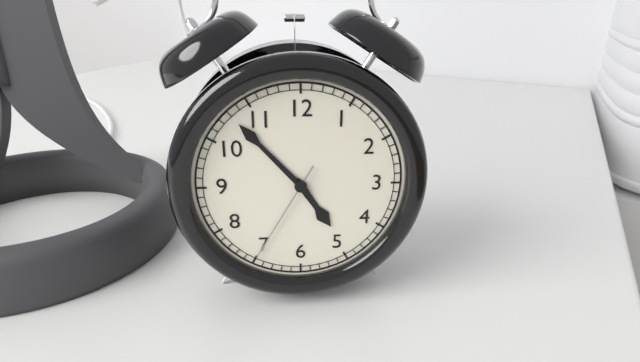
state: 4:53:35
